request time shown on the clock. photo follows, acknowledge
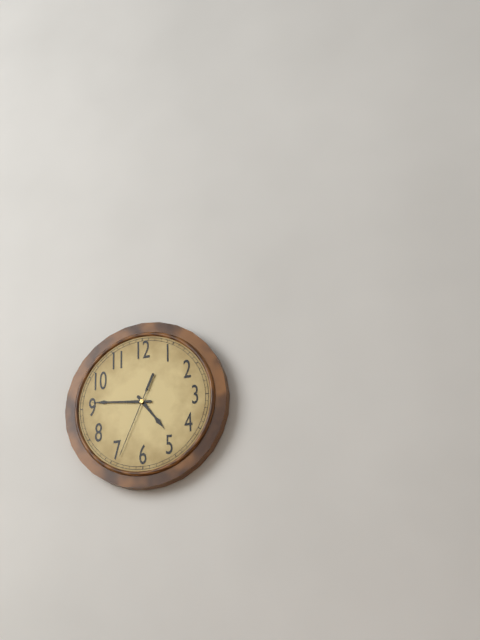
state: 4:46:34
